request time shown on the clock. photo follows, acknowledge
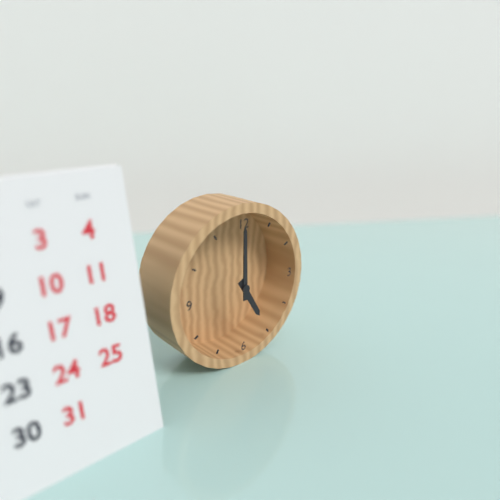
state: 5:00
